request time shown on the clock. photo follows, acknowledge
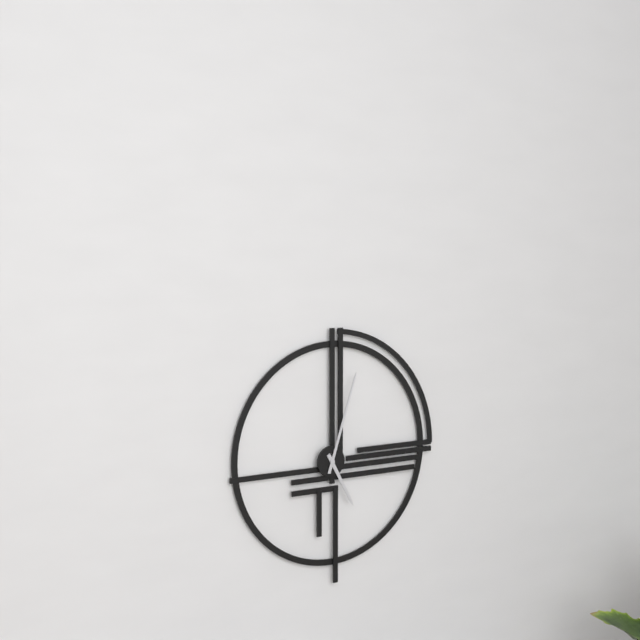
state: 5:03
